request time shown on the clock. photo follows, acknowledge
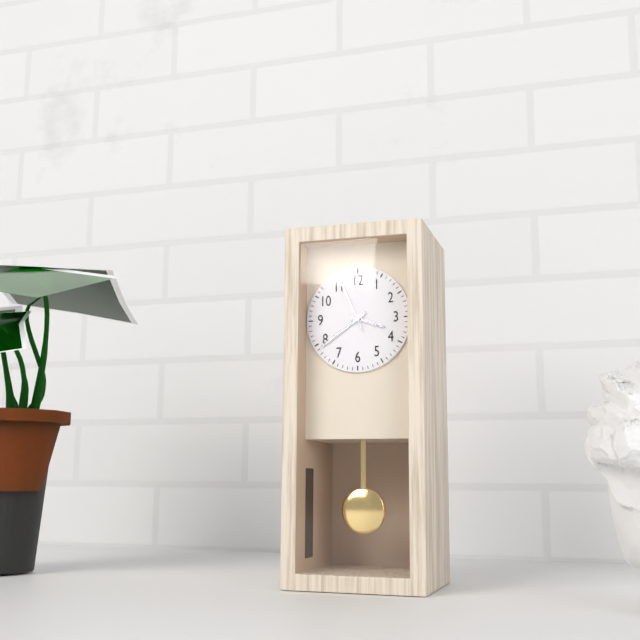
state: 3:39:56
